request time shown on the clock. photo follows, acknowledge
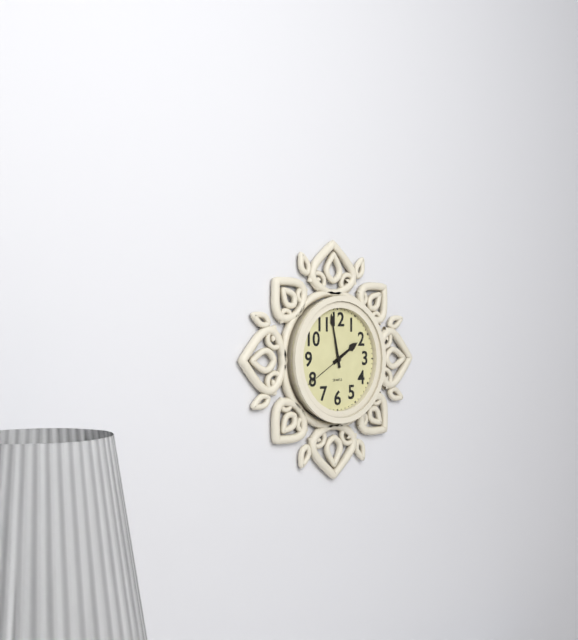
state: 1:58:40
